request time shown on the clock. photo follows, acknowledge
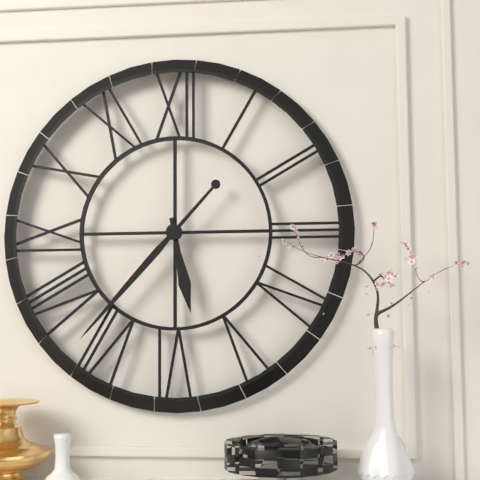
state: 5:37
